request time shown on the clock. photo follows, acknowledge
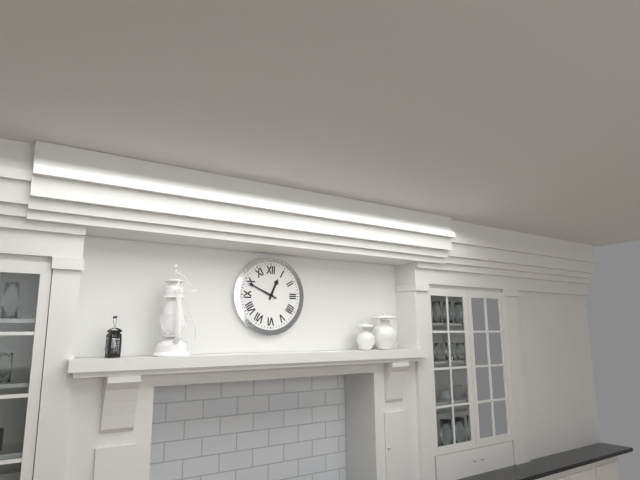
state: 12:49
